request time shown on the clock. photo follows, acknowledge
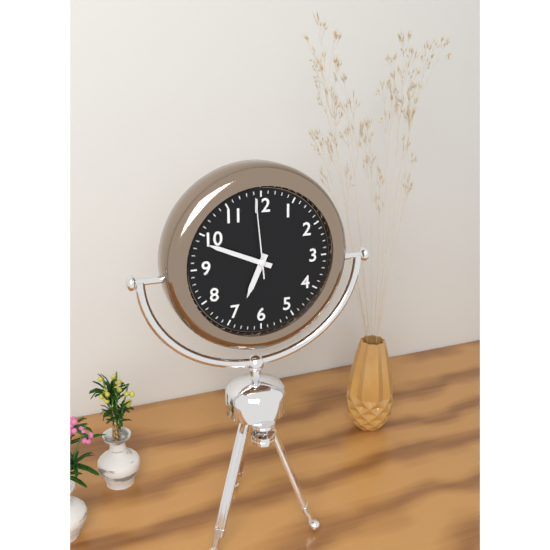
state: 6:49:59
